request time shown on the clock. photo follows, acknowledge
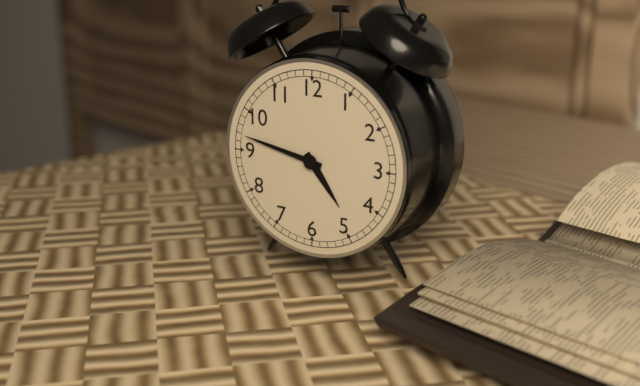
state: 4:47
